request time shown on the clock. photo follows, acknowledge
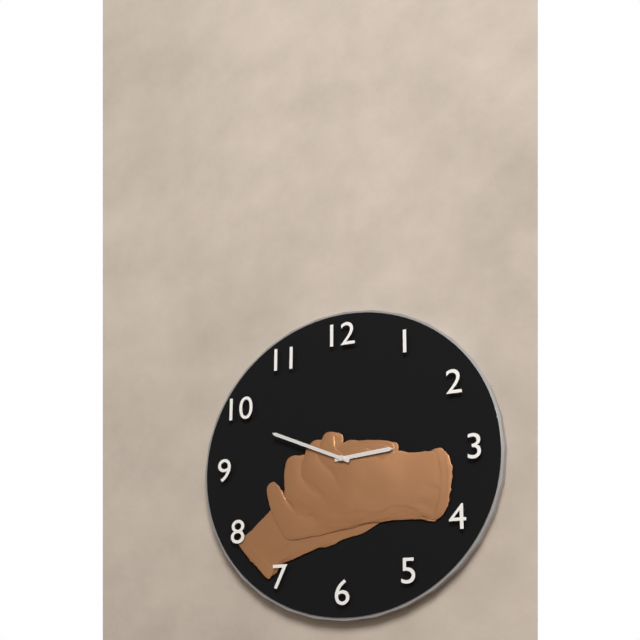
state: 2:49
